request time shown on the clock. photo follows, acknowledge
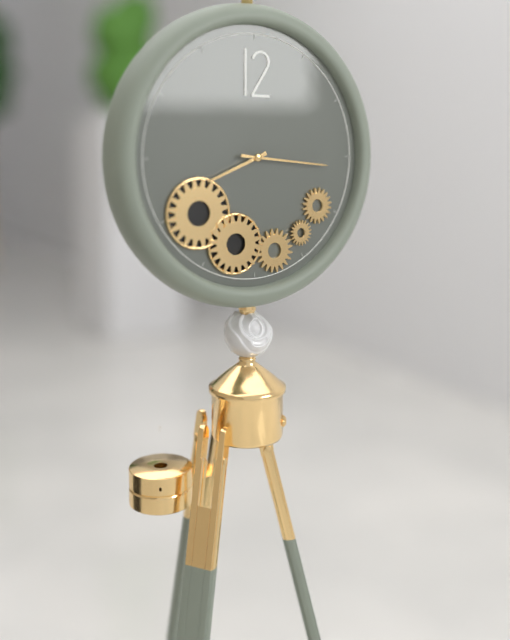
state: 8:16
